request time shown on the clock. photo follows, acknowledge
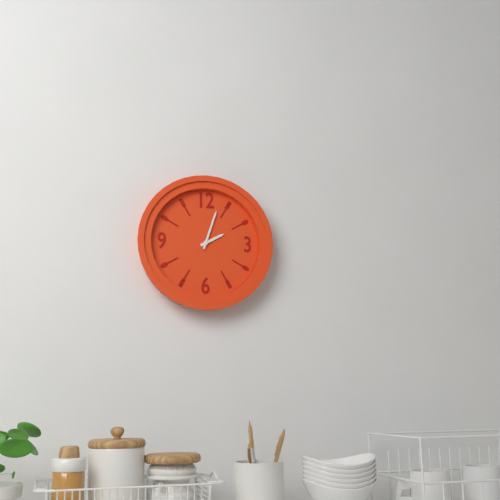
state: 2:03
